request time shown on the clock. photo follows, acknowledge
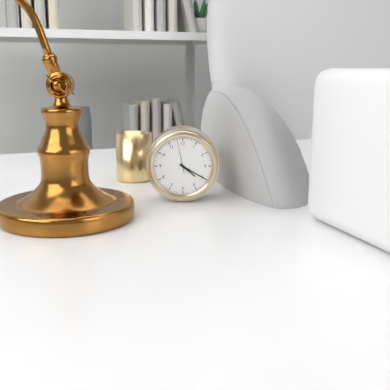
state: 4:20
